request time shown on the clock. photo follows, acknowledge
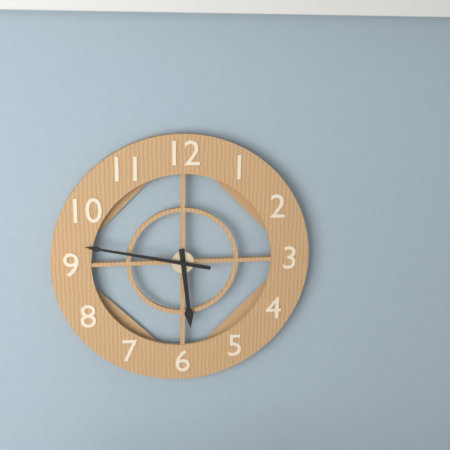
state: 5:47
